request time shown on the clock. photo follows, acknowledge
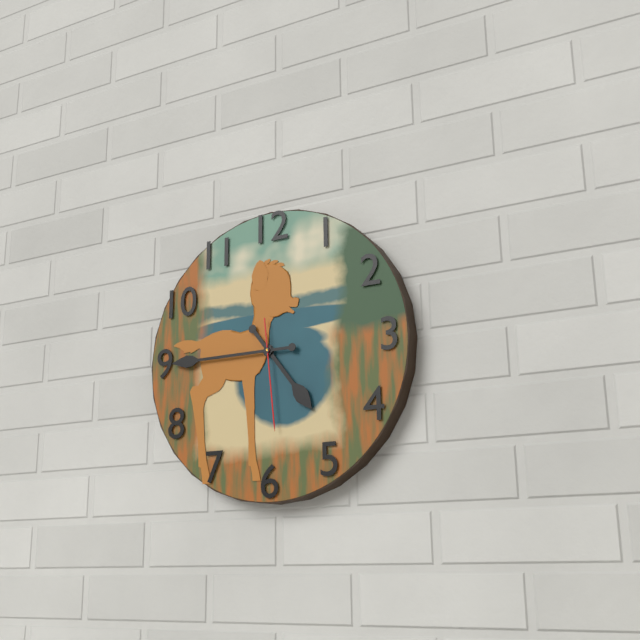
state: 4:45:29
